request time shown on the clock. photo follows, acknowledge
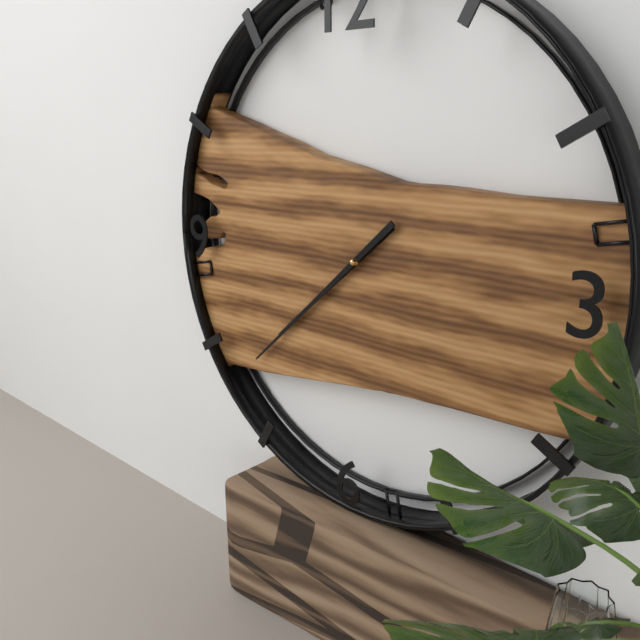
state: 7:38
